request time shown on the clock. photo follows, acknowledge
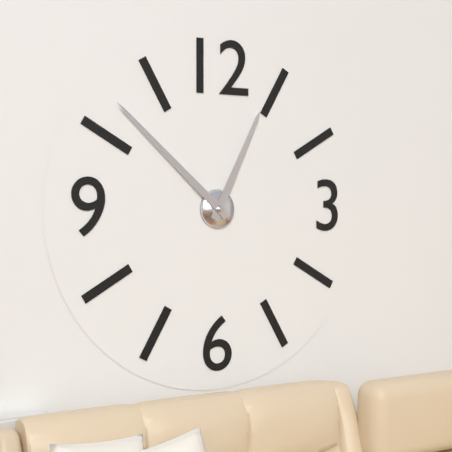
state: 12:52
